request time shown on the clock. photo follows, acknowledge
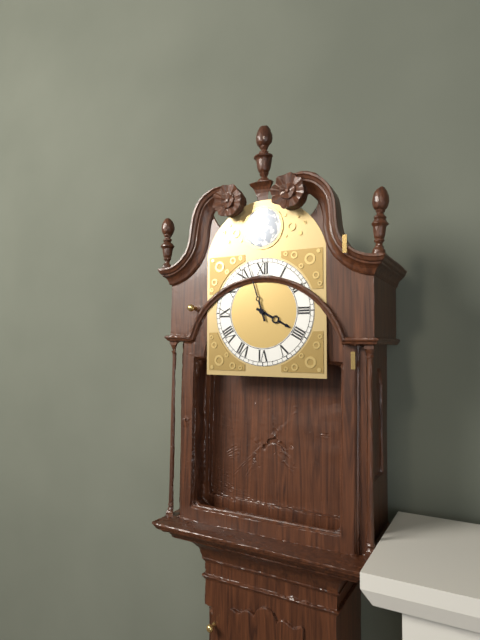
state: 3:57
